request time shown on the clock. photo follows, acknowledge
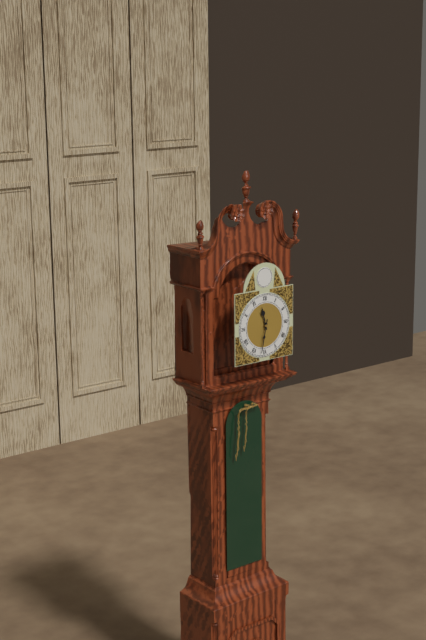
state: 11:32
